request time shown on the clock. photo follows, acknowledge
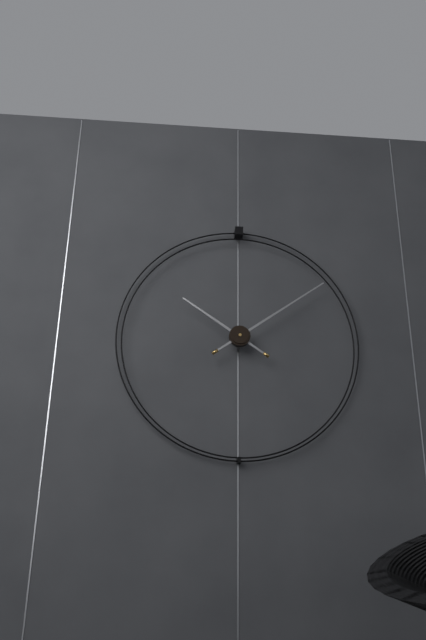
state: 10:09
